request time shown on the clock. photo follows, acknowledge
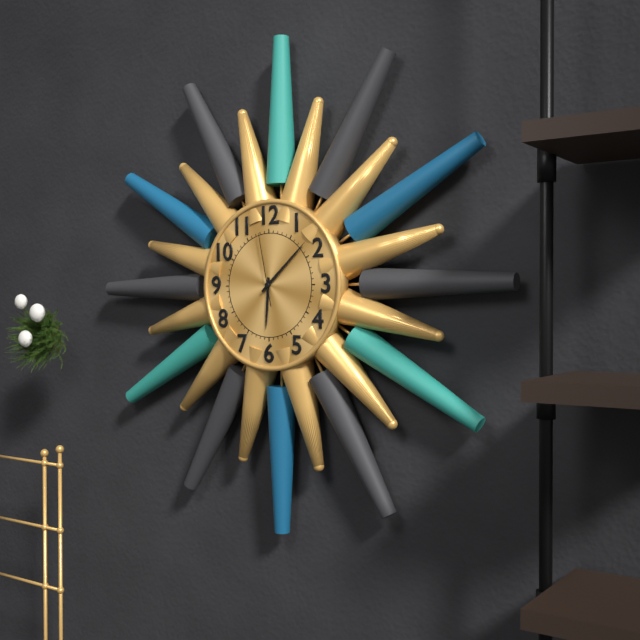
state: 6:08:58
